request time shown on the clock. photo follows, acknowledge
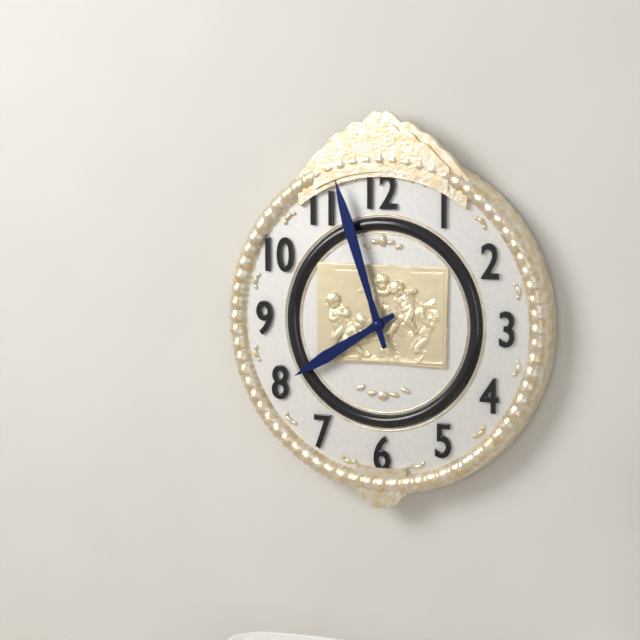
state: 7:57
